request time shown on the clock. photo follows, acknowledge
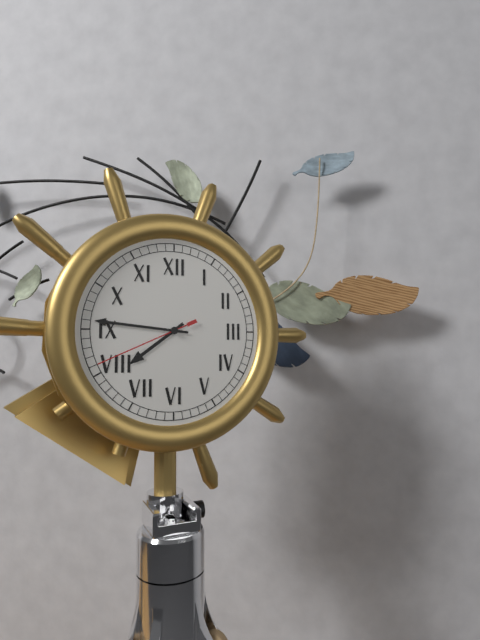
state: 7:46:41
